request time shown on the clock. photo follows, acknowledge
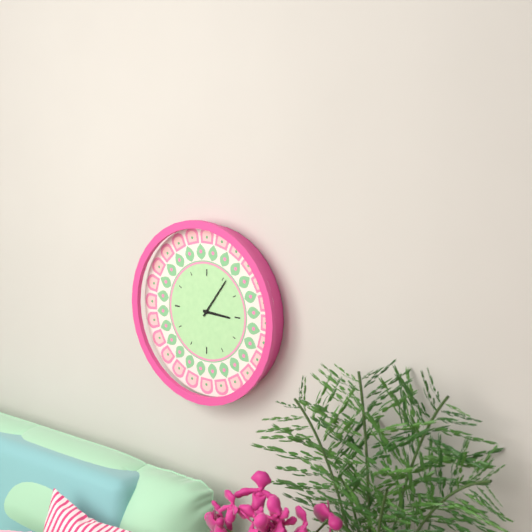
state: 3:06
